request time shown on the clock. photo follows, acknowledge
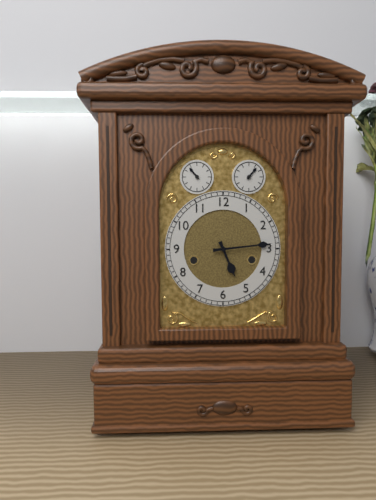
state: 5:14
